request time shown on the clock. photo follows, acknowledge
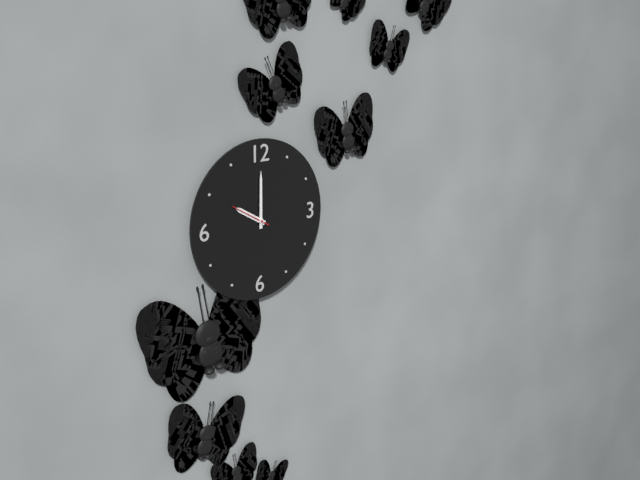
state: 10:00
